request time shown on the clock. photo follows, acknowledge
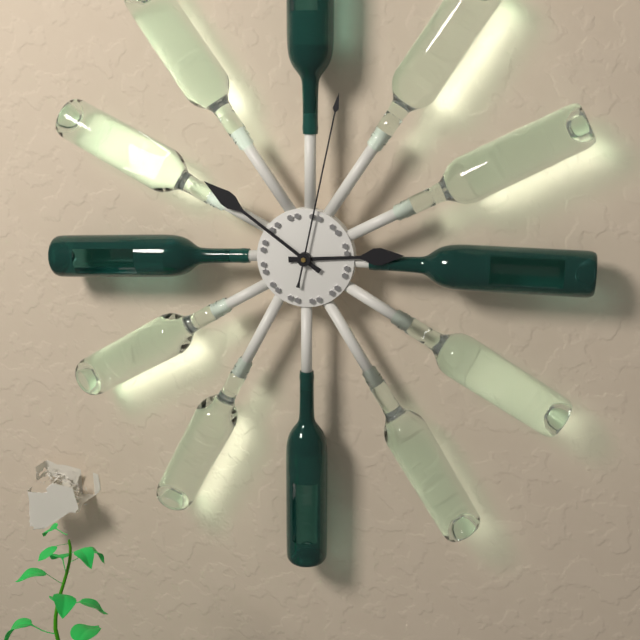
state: 2:51:02
